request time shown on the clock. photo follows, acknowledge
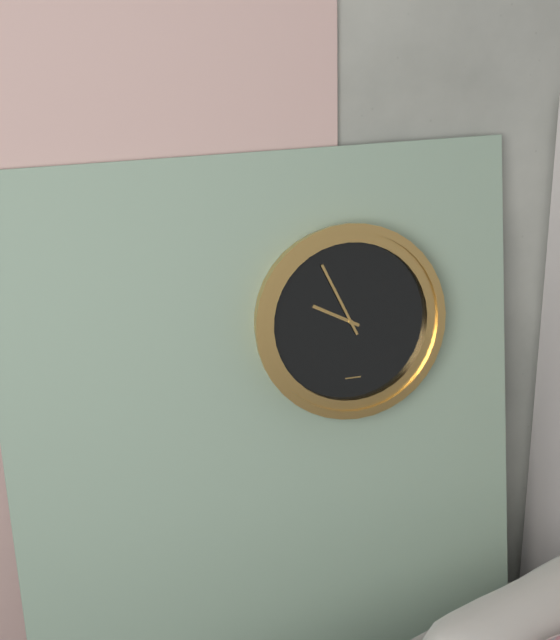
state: 9:56
